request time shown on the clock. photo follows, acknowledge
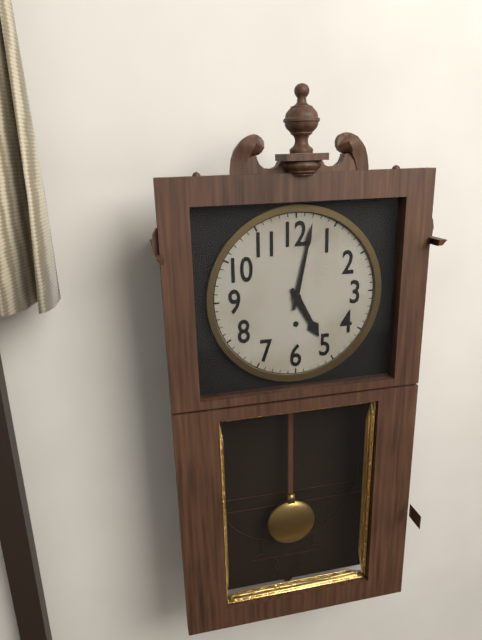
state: 5:02
